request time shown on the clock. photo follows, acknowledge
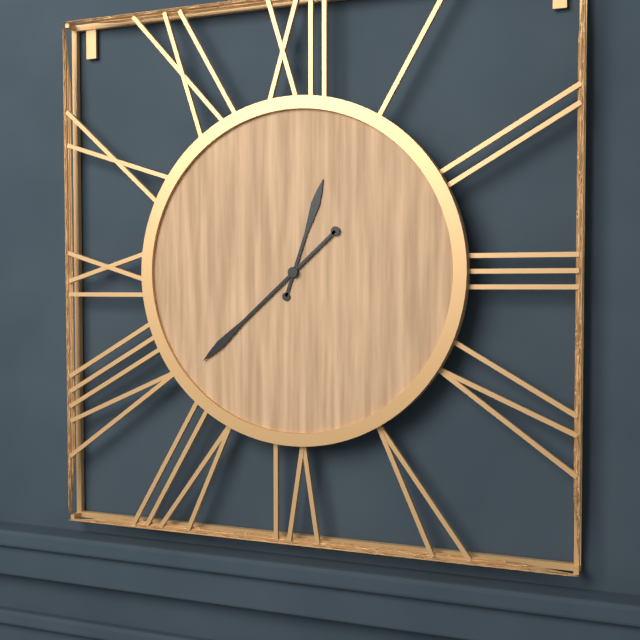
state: 12:38
